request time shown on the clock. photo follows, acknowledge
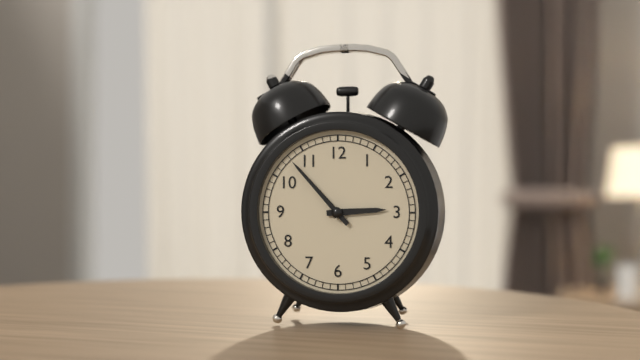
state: 2:53
